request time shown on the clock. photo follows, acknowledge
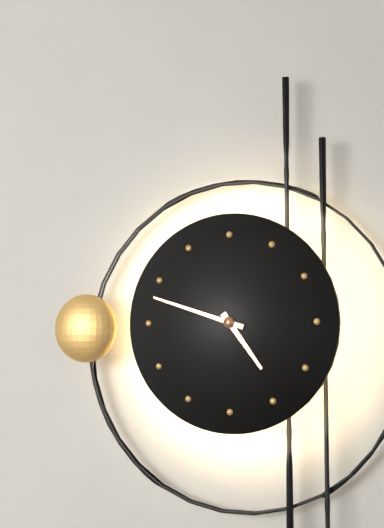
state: 4:48
